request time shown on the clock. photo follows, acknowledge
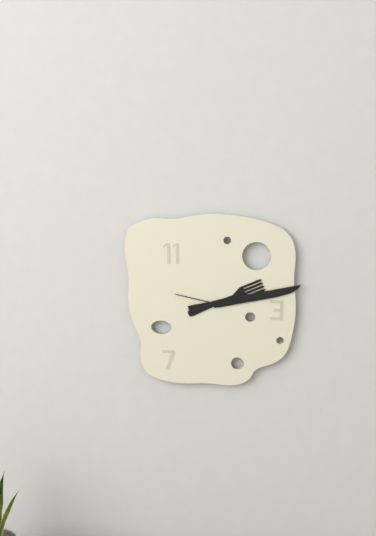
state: 2:13:47
